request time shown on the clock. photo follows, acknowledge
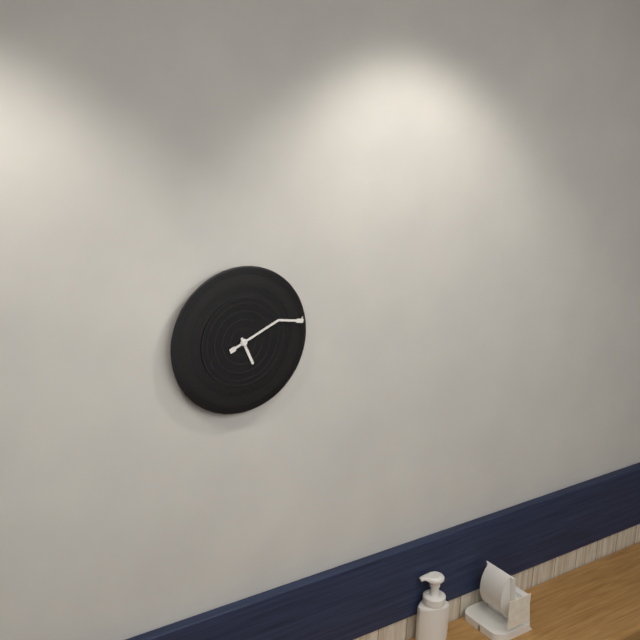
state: 5:11
